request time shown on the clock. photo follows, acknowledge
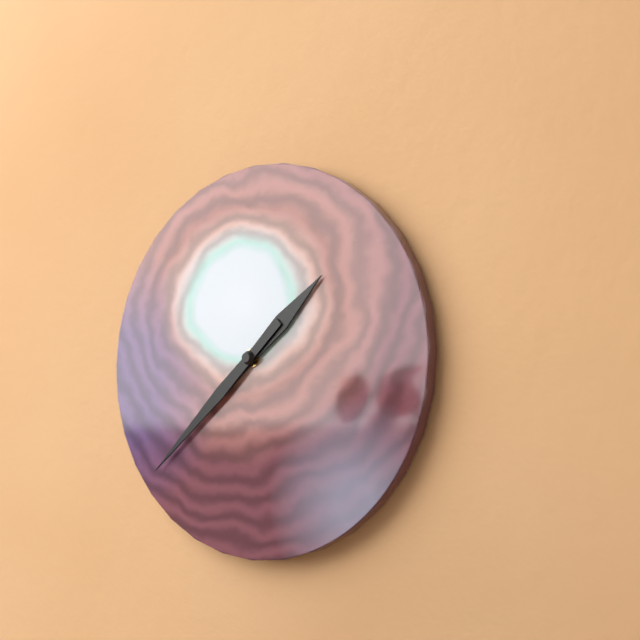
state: 1:38
